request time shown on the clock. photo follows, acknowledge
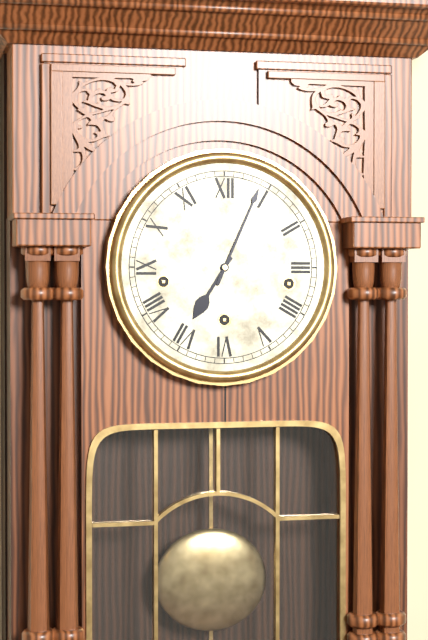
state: 7:04
